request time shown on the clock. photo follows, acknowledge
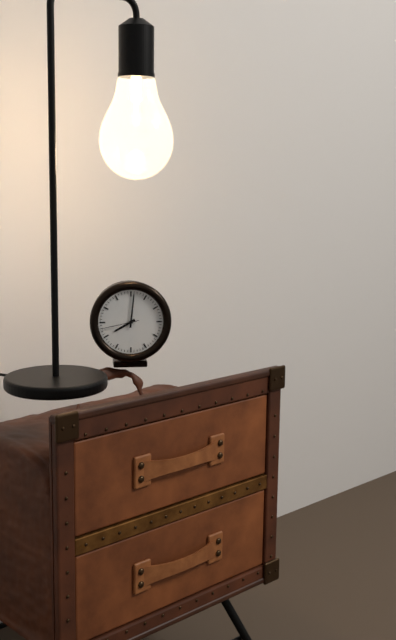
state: 8:01
